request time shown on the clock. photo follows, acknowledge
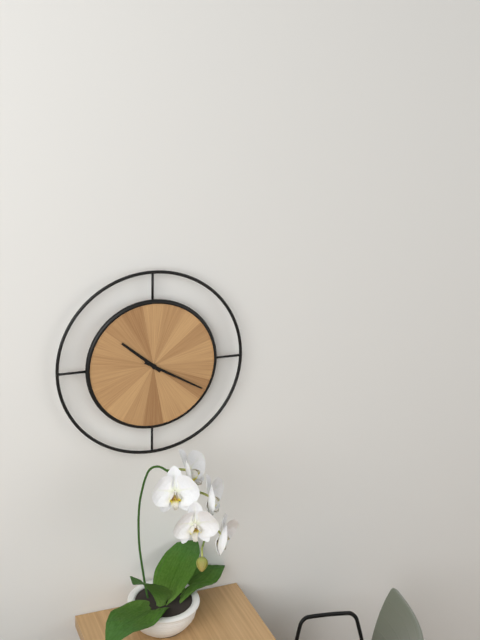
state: 10:20
